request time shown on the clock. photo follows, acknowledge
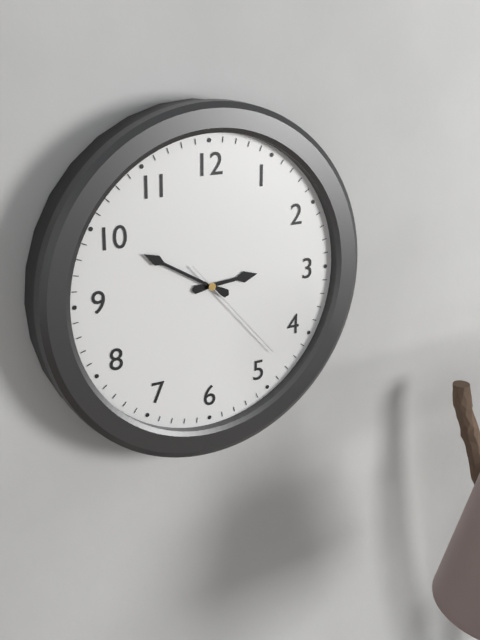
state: 2:50:23
